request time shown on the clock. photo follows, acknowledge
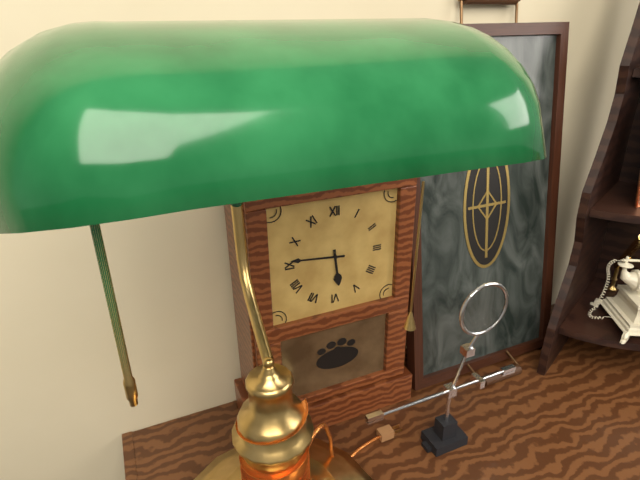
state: 5:46
